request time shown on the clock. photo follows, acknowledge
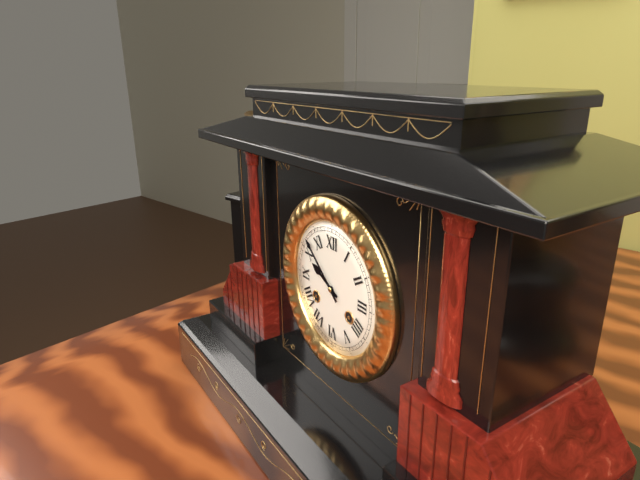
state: 9:52
